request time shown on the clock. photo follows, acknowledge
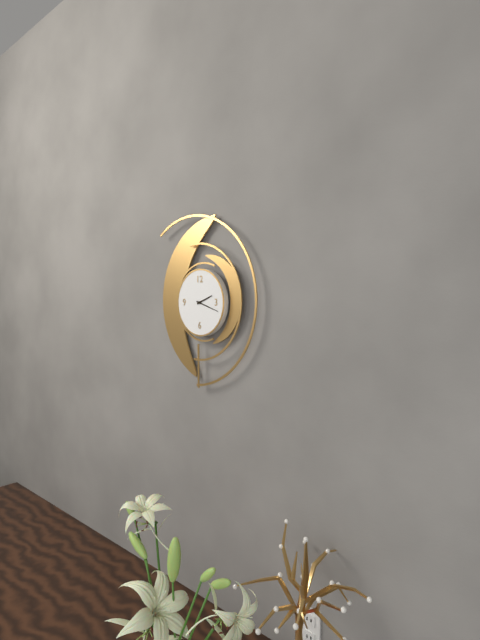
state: 2:18
